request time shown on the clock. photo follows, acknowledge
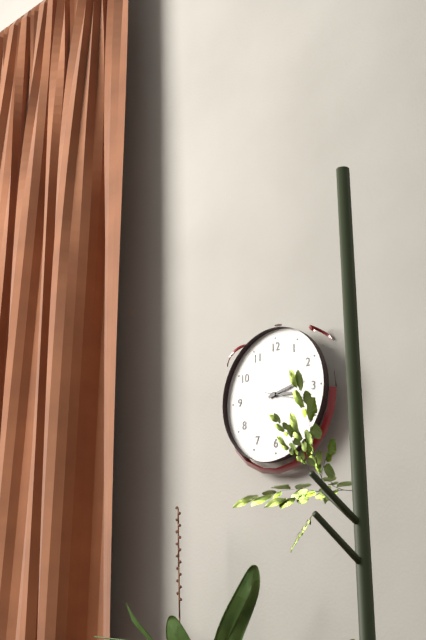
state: 3:13
